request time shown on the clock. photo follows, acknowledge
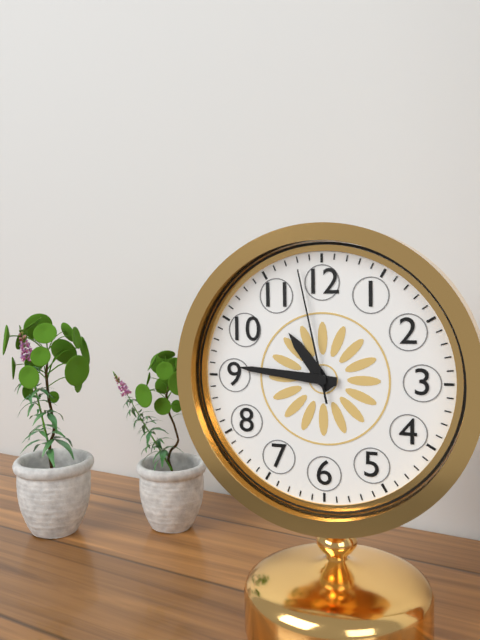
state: 10:46:58
